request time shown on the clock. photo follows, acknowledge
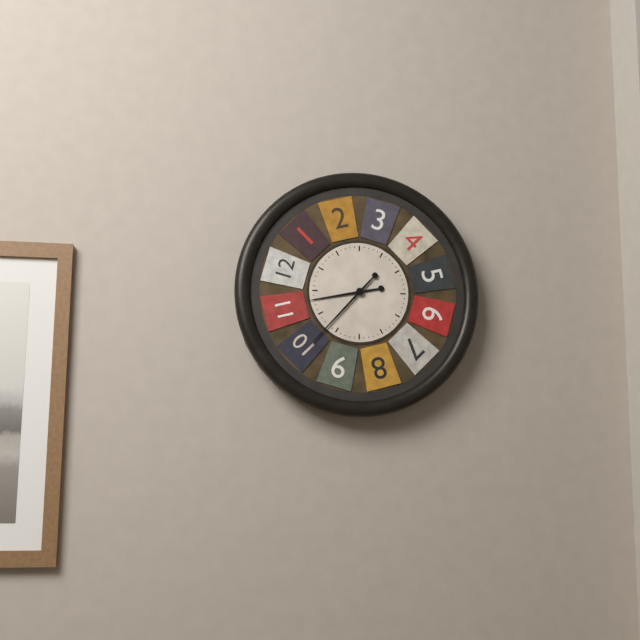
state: 8:37
